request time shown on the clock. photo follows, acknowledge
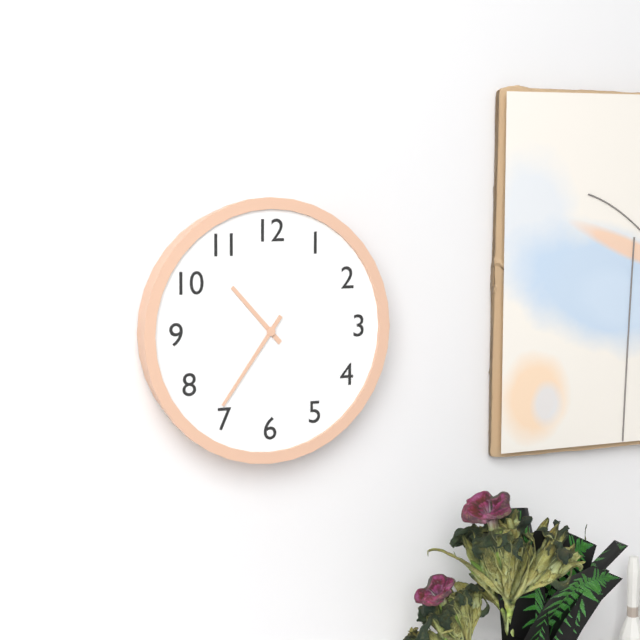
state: 10:36
